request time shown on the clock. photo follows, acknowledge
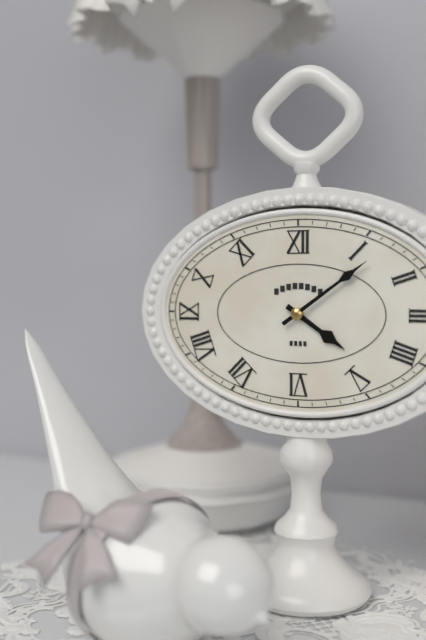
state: 4:09
